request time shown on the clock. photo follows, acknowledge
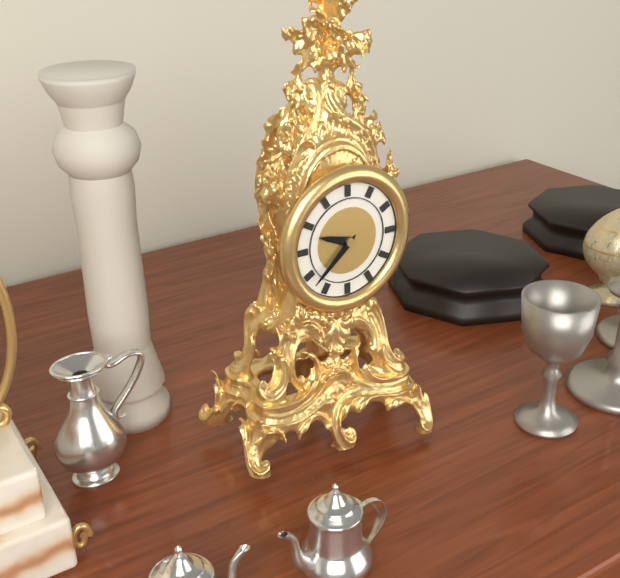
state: 9:38
